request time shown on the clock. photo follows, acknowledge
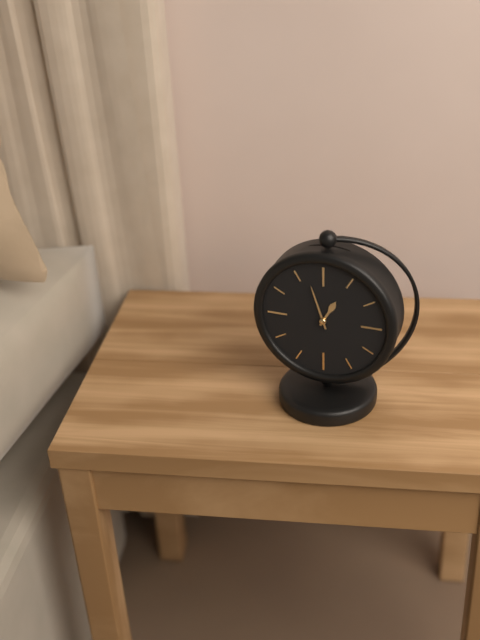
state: 12:57
